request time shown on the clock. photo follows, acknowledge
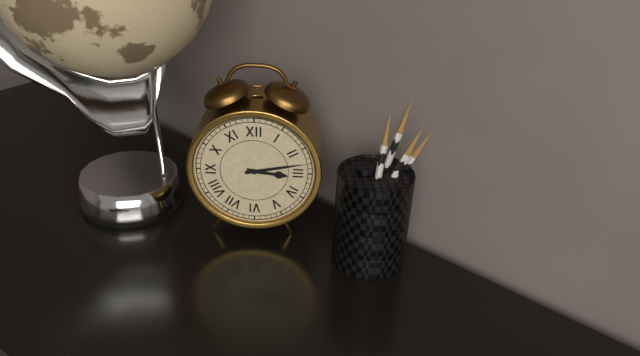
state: 3:13
